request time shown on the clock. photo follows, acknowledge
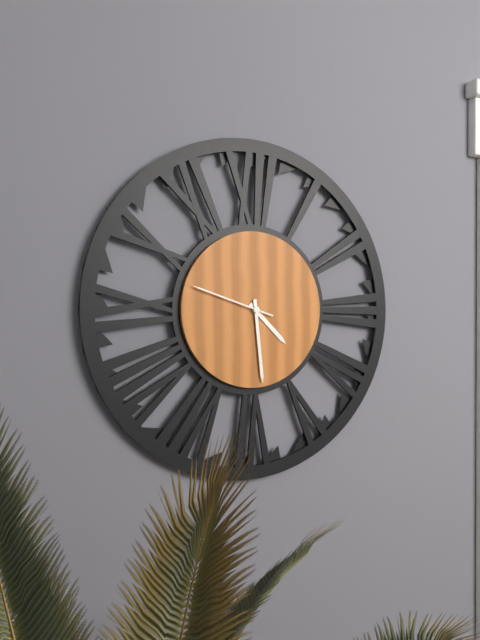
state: 4:29:48
